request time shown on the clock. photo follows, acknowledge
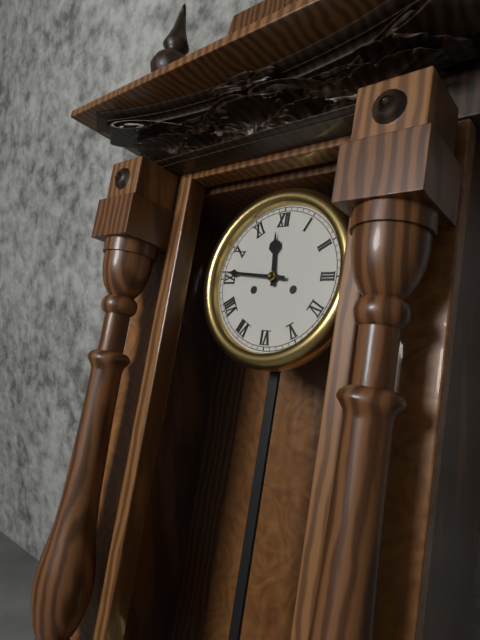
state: 11:46
